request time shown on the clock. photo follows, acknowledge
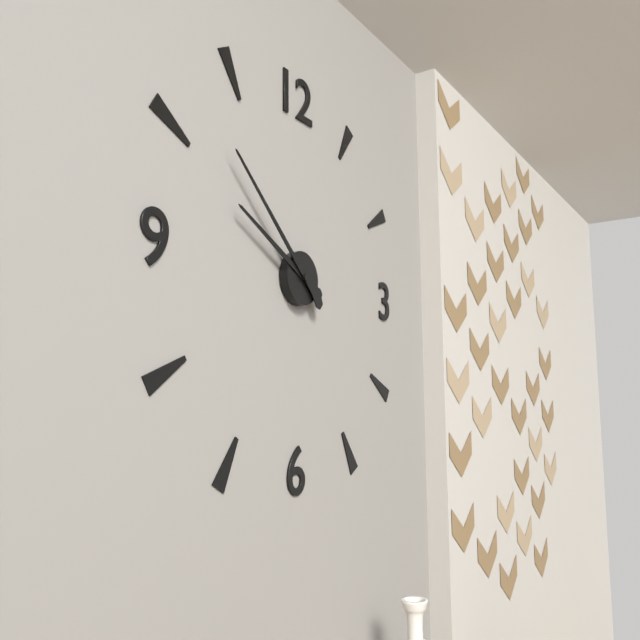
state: 9:52
